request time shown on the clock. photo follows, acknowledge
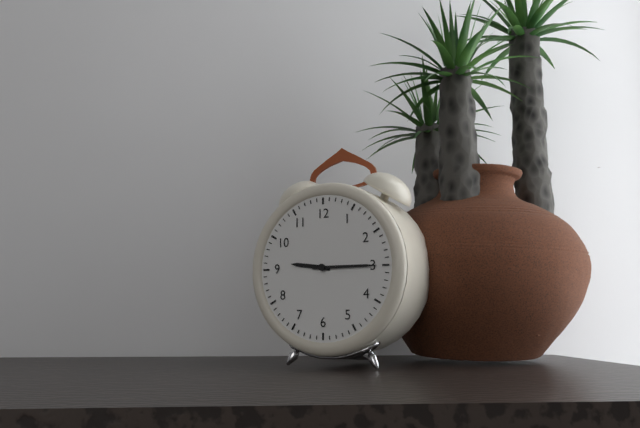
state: 9:15
